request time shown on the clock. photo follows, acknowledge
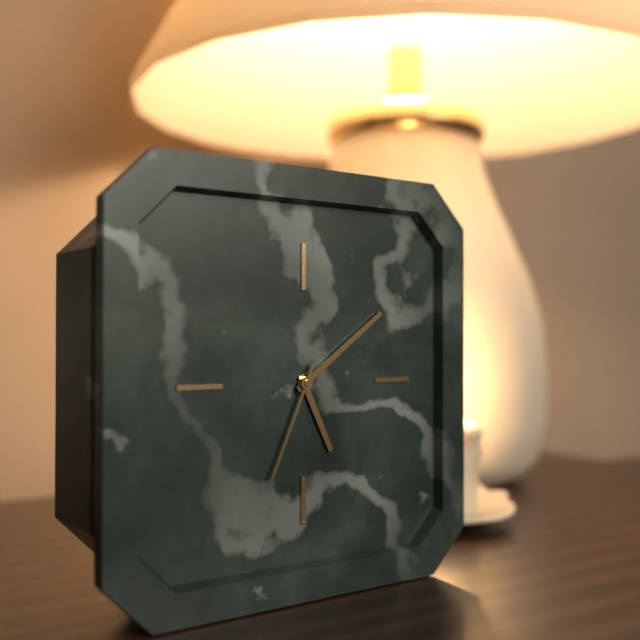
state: 5:09:34
